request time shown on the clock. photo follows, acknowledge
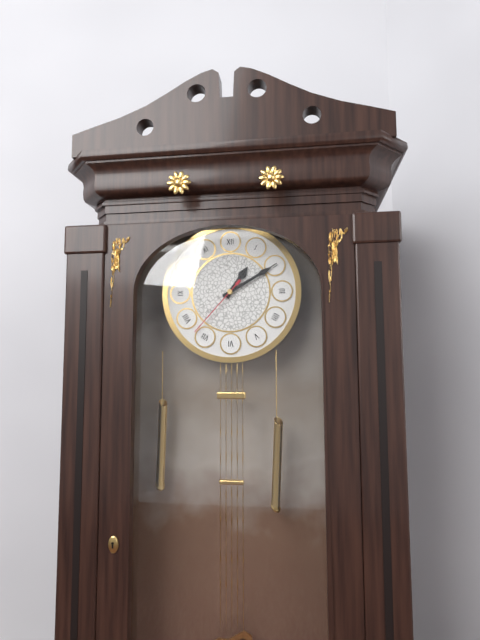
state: 1:10:37
